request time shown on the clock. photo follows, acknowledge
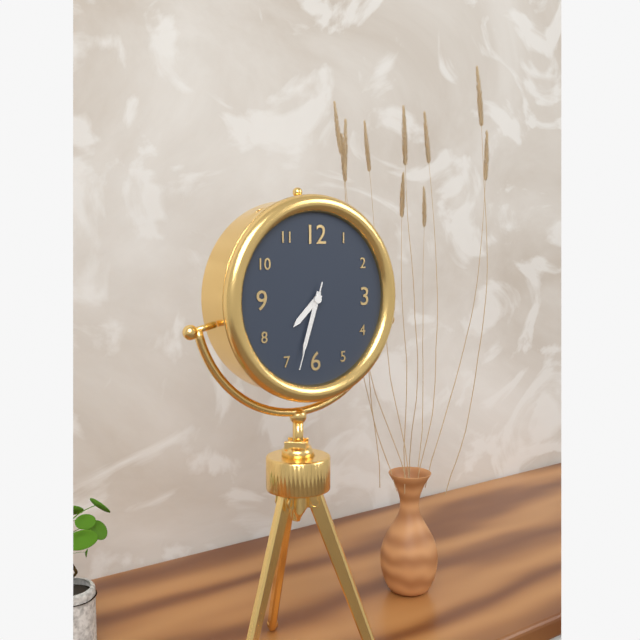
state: 7:33:33
